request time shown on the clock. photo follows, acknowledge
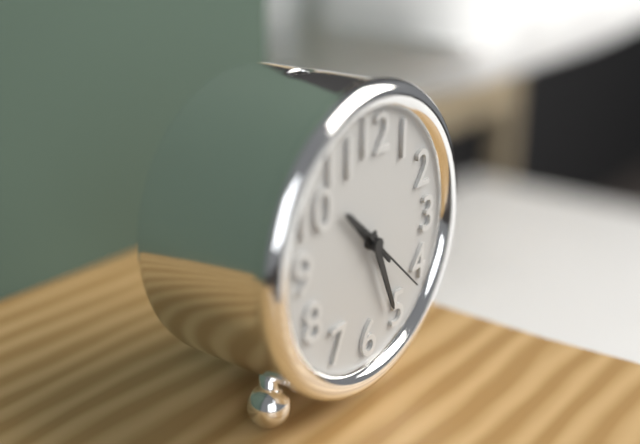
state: 10:26:22
